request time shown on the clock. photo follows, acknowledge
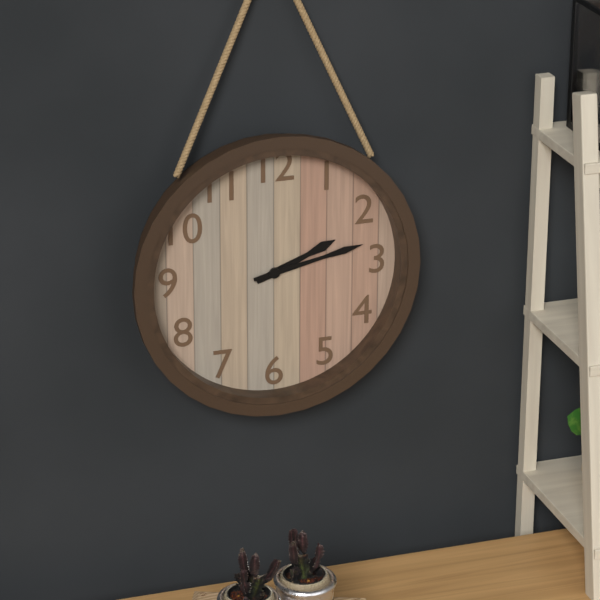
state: 2:13
